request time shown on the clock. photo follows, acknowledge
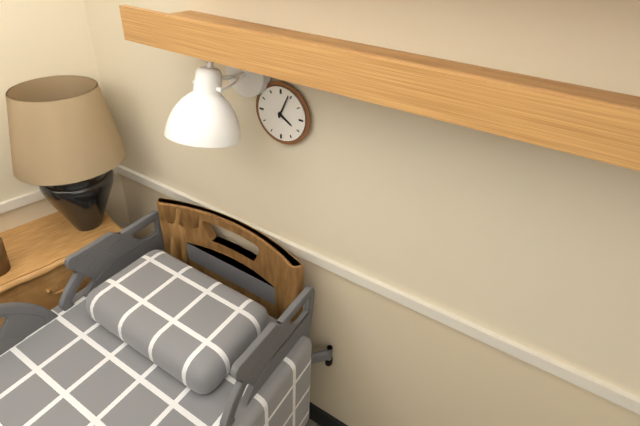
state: 4:04
